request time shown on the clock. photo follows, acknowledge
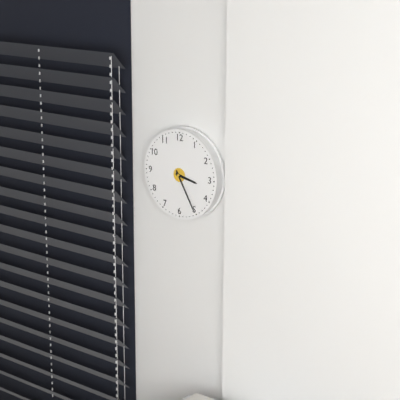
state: 3:25
